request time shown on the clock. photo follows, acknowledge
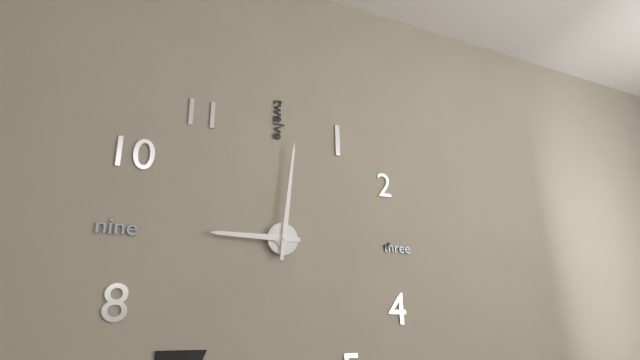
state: 9:01
